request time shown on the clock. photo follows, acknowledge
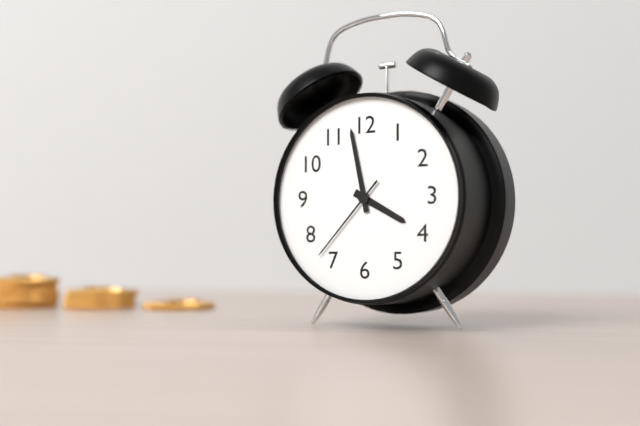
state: 3:58:37
